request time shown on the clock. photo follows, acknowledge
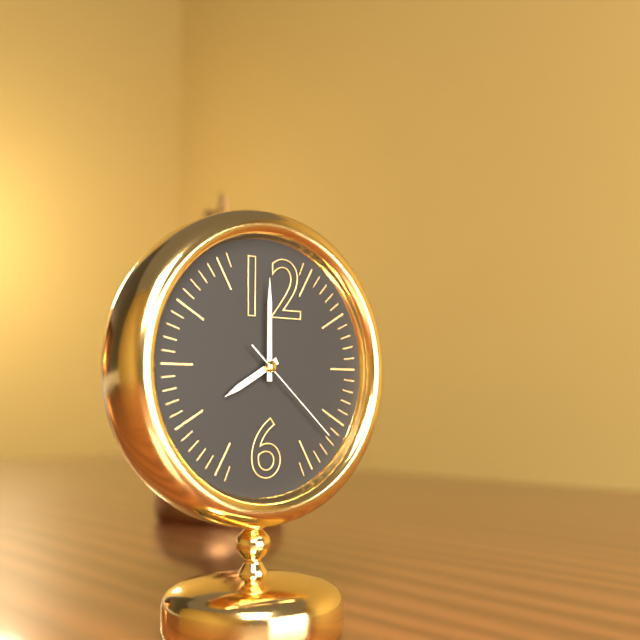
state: 8:00:22
